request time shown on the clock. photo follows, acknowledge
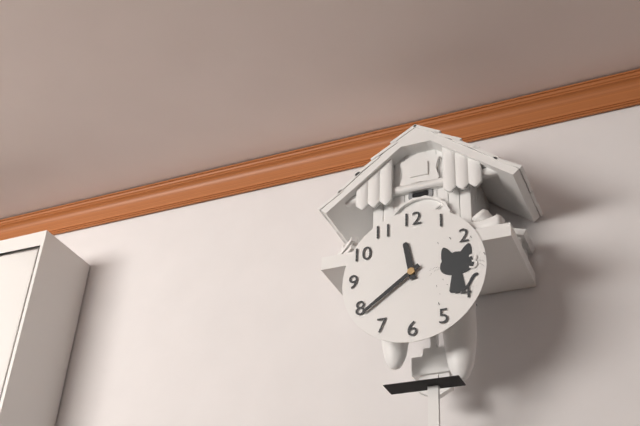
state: 11:39
